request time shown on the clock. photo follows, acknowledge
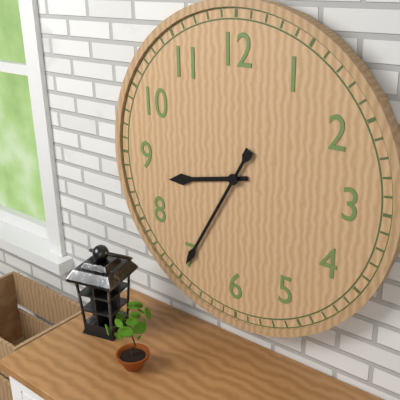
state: 8:35
